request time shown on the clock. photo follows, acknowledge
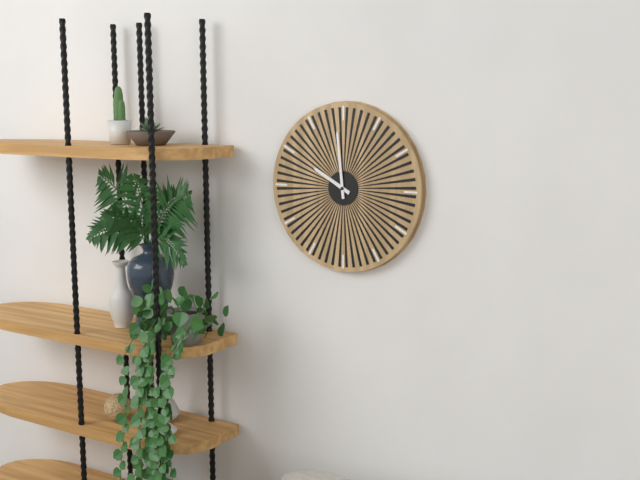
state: 9:59
